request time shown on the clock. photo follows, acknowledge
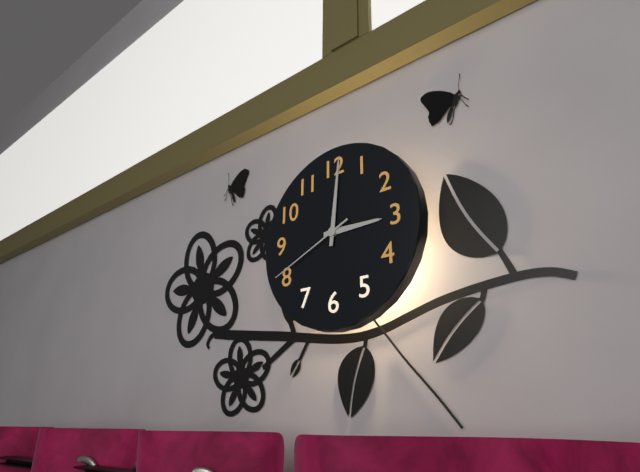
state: 3:01:41
